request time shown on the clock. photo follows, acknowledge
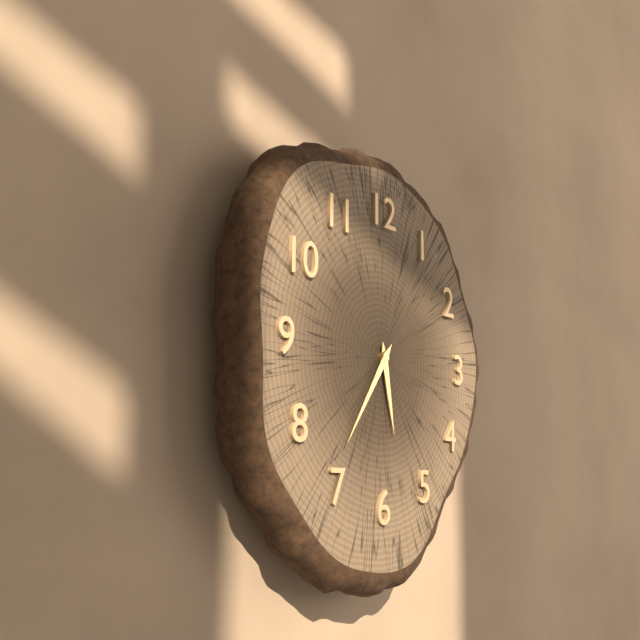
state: 5:36
